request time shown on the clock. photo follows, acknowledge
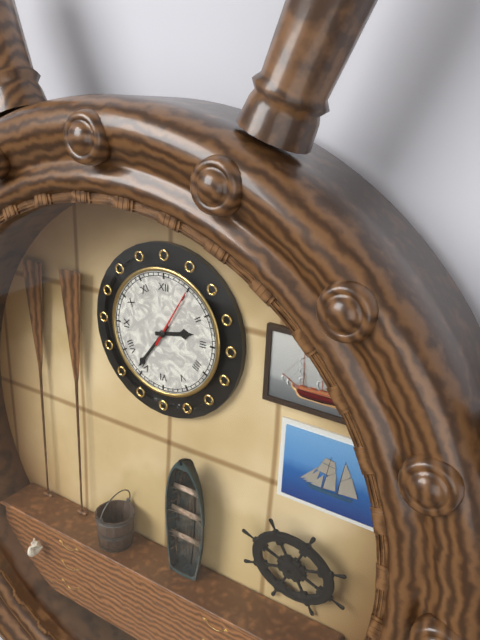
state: 2:36:05
